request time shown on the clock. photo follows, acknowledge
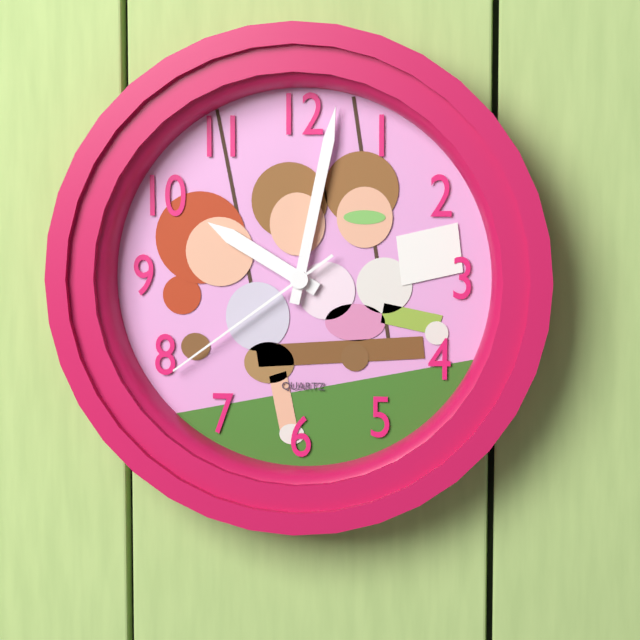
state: 10:02:39
